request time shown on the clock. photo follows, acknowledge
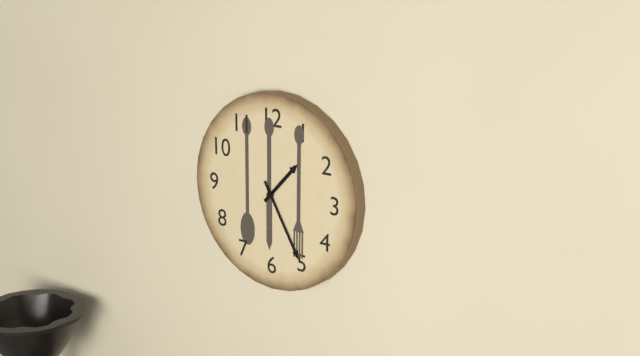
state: 1:25
